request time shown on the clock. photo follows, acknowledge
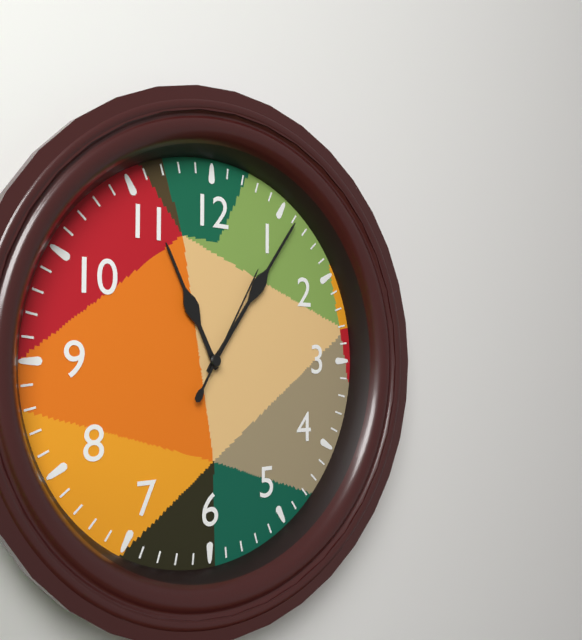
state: 11:06:05
